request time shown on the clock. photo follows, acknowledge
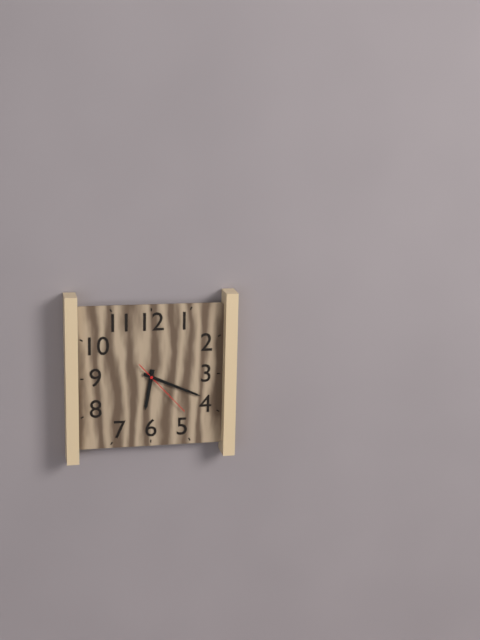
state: 6:19:23
